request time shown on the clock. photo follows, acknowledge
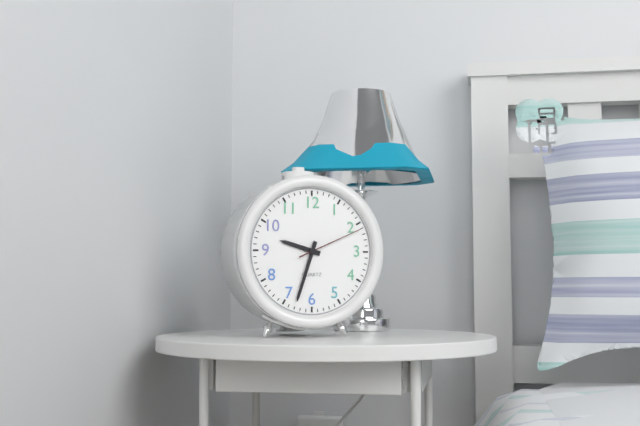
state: 9:33:11
